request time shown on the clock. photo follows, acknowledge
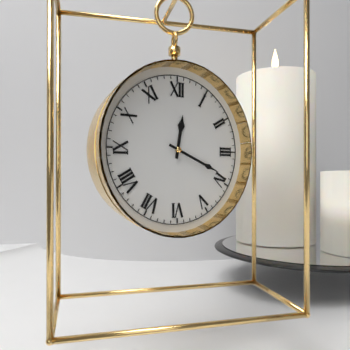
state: 12:19
